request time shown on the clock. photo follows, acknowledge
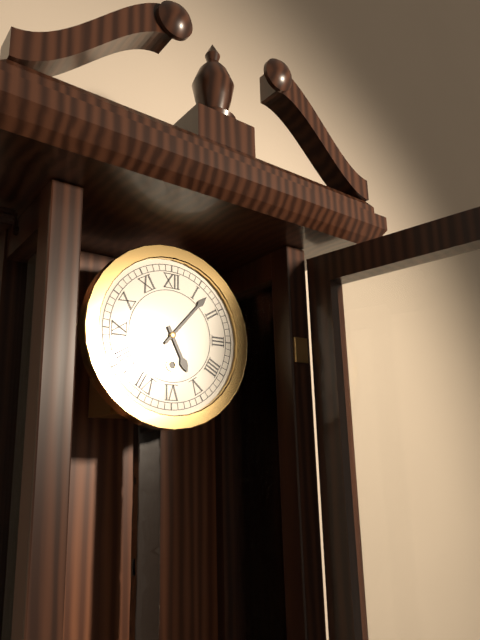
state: 5:07
